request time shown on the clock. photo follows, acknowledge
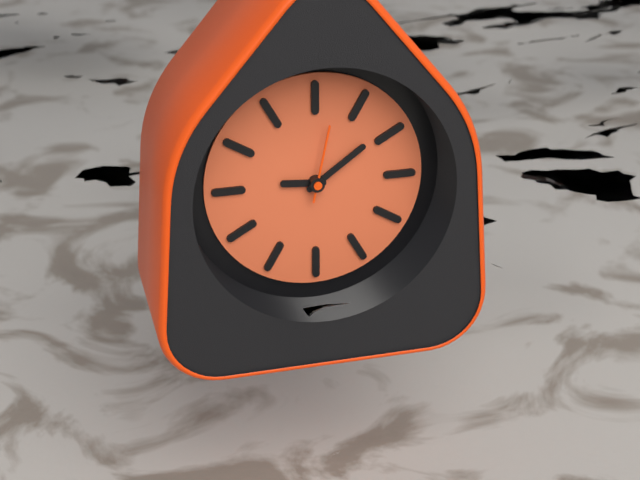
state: 9:09:02
